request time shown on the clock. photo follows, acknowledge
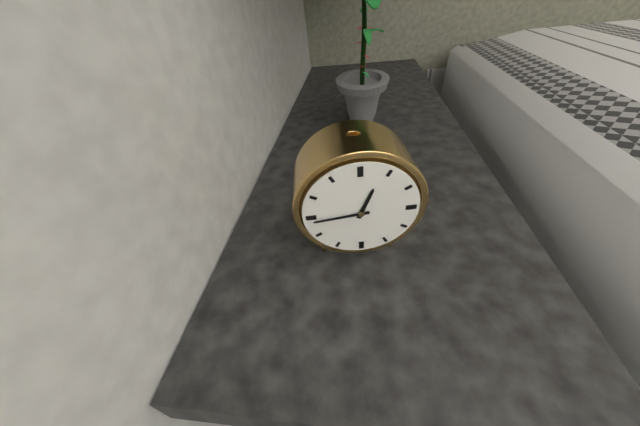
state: 12:44
